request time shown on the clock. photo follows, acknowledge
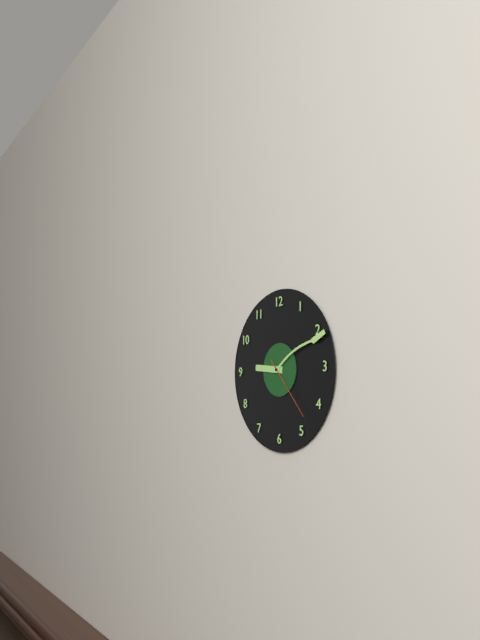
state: 9:11:23
